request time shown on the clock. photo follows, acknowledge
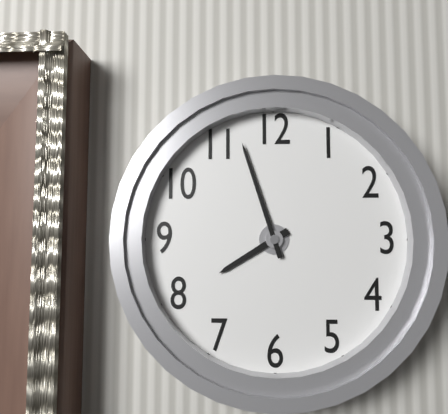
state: 7:57
